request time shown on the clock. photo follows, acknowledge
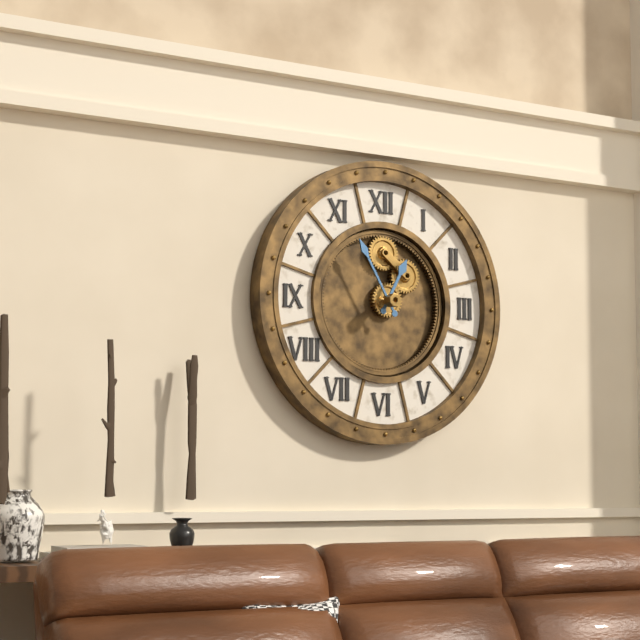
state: 12:55
